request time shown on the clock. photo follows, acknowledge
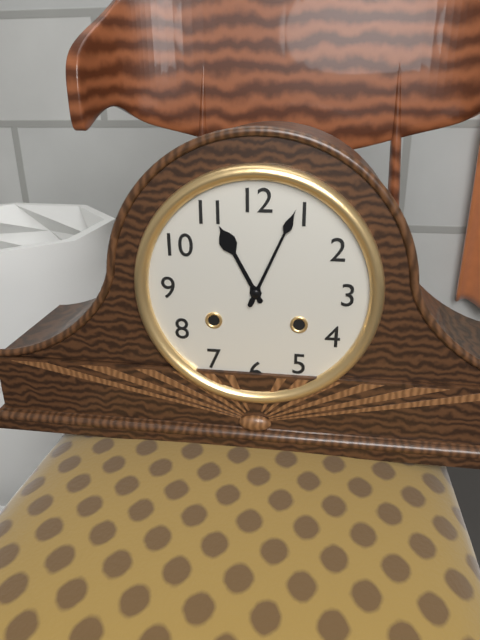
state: 11:04
